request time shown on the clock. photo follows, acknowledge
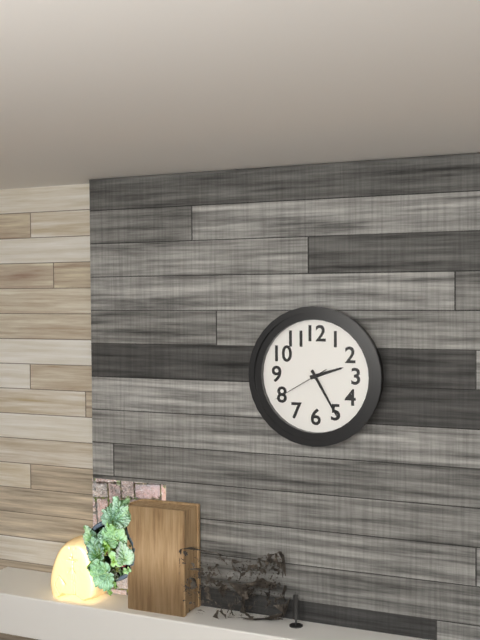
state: 2:25:40
